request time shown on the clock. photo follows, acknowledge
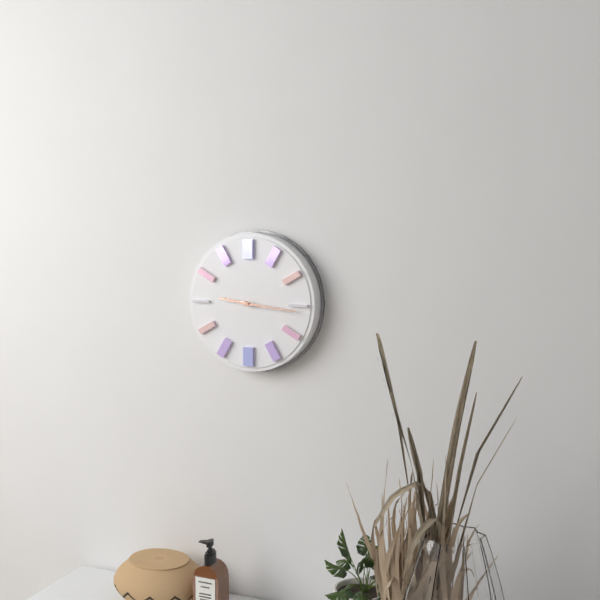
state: 9:16
